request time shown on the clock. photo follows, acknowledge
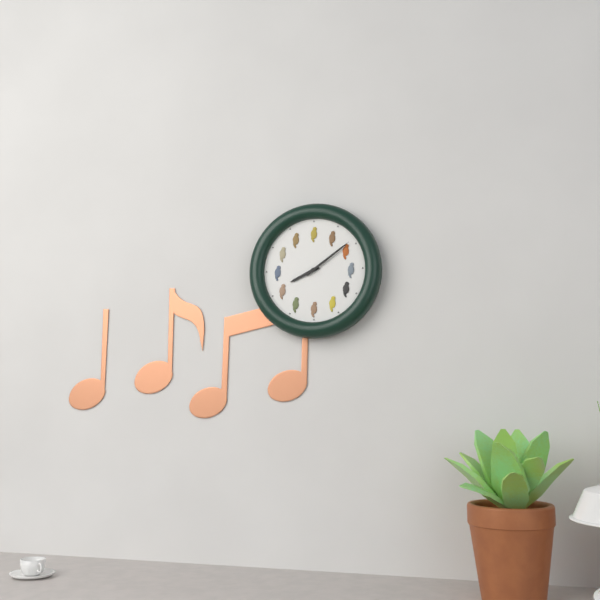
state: 8:09
